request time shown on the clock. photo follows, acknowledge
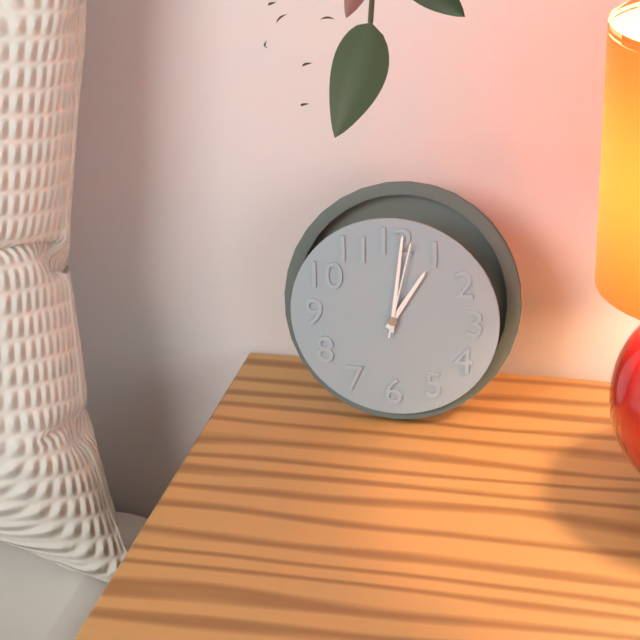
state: 1:01:02
